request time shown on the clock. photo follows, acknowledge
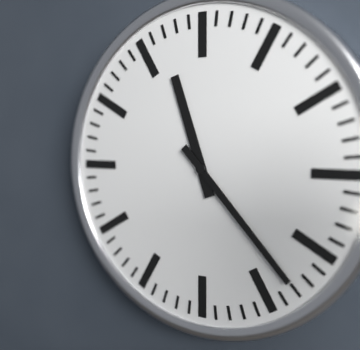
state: 11:23
